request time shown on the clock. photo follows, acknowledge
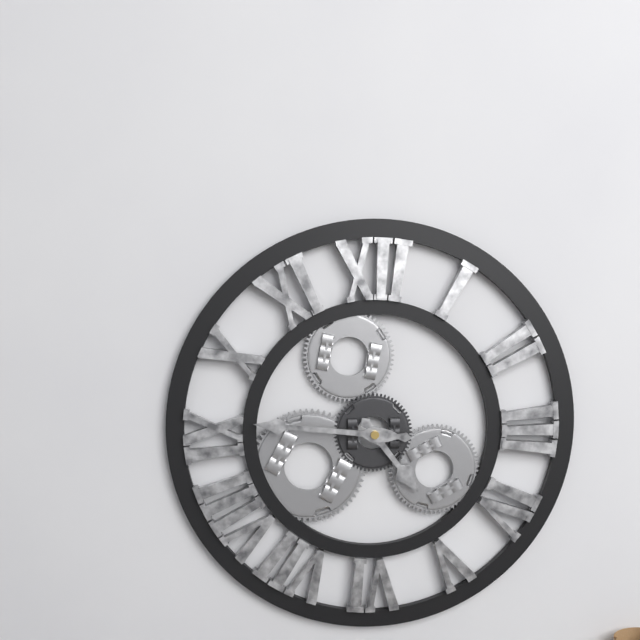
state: 4:46
